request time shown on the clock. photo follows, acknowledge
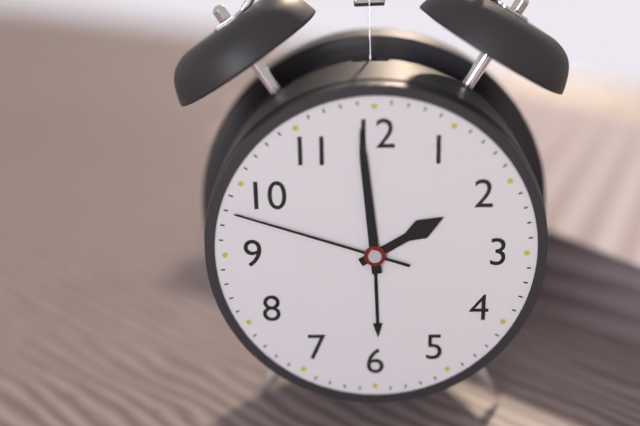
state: 1:59:48
